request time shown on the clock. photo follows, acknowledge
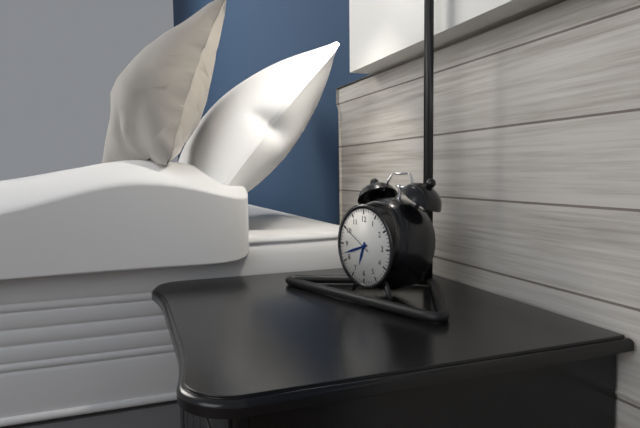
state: 6:42
